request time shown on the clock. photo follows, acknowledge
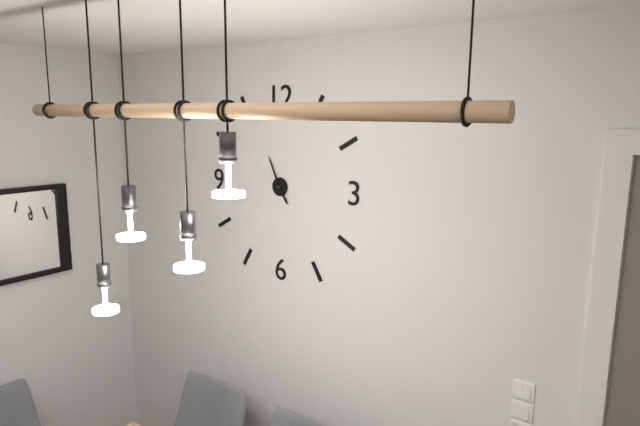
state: 4:56
